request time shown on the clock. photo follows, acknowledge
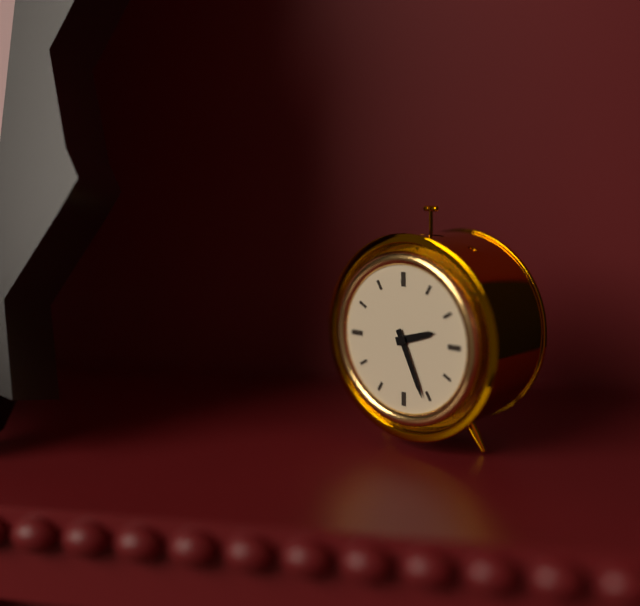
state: 2:26
